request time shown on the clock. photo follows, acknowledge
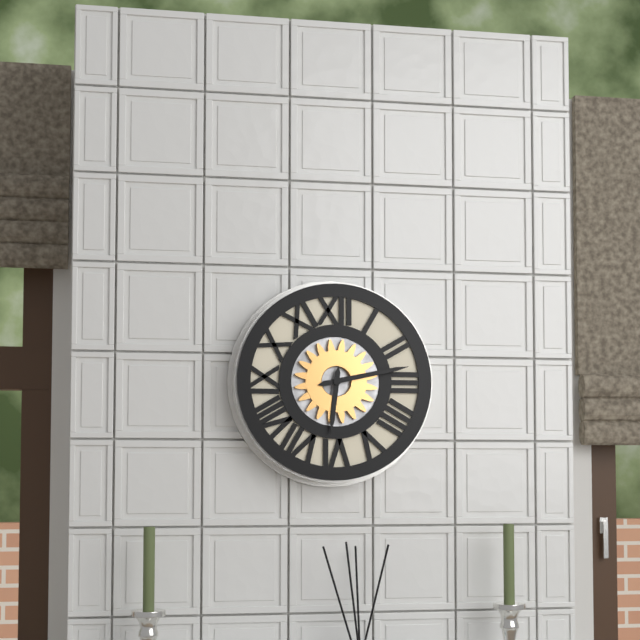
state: 6:13
